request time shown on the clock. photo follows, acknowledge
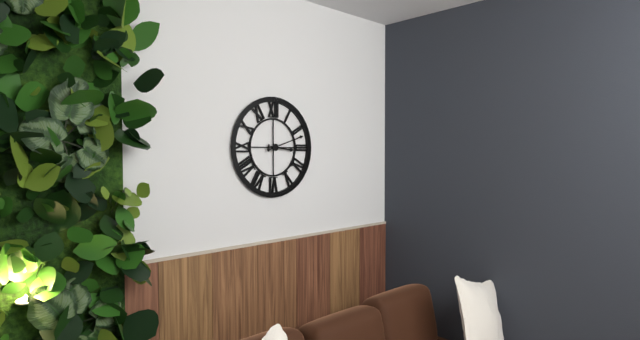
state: 3:12
